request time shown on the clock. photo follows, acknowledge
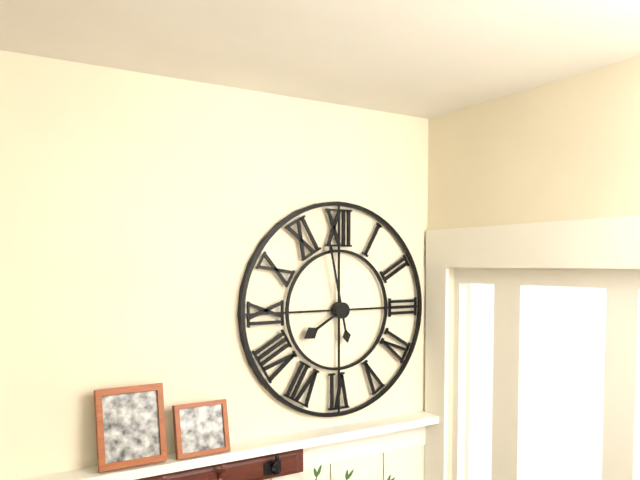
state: 7:58
